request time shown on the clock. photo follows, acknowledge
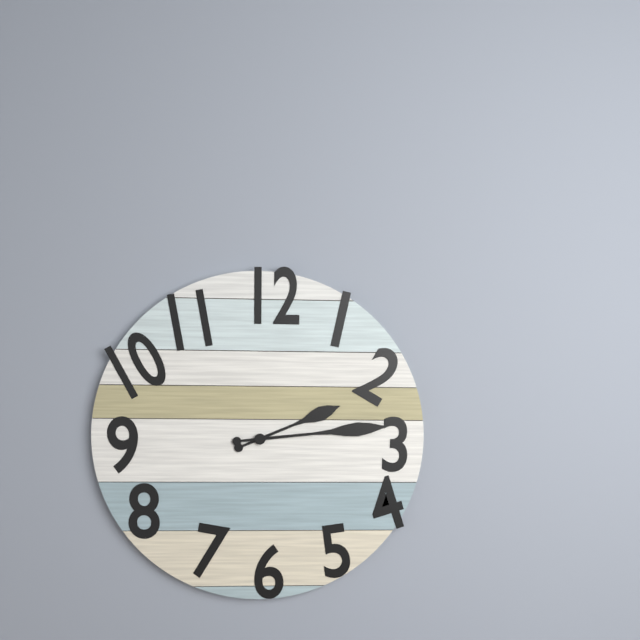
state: 2:14
